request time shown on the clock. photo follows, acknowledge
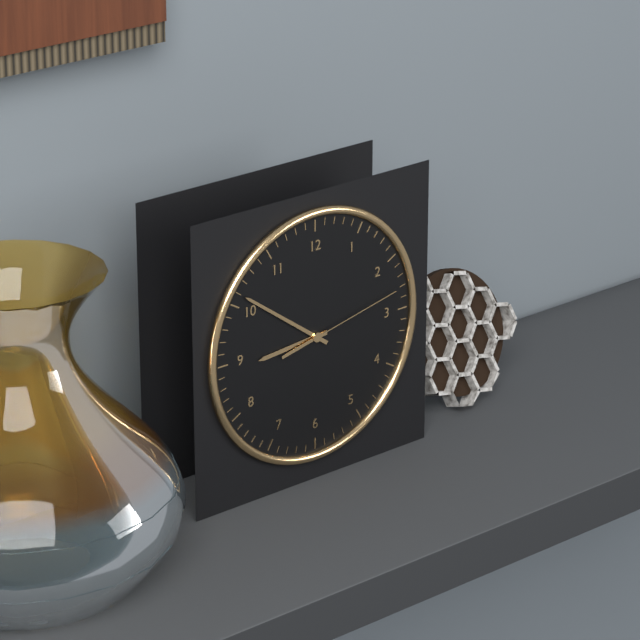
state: 8:51:13
